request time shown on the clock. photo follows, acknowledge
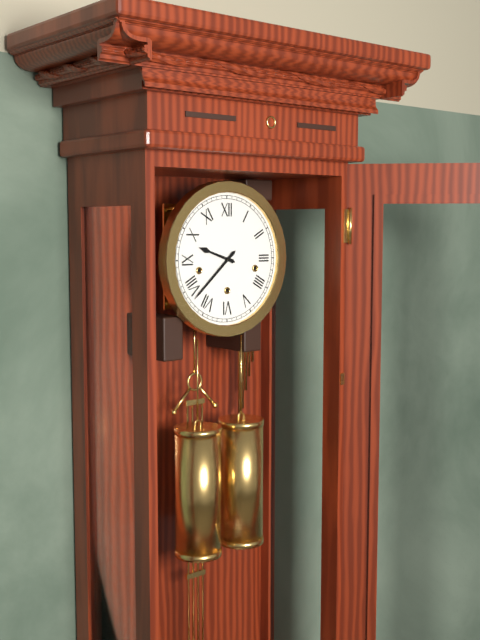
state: 9:38
